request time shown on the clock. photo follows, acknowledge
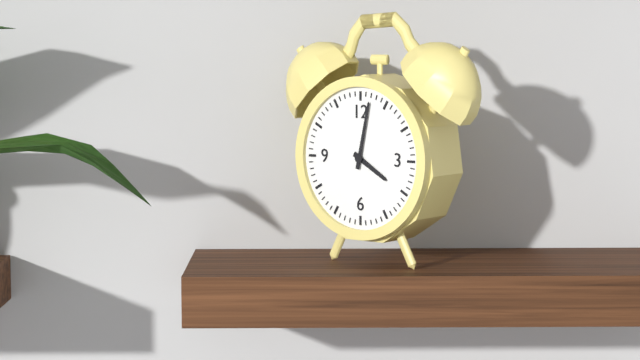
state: 4:02
